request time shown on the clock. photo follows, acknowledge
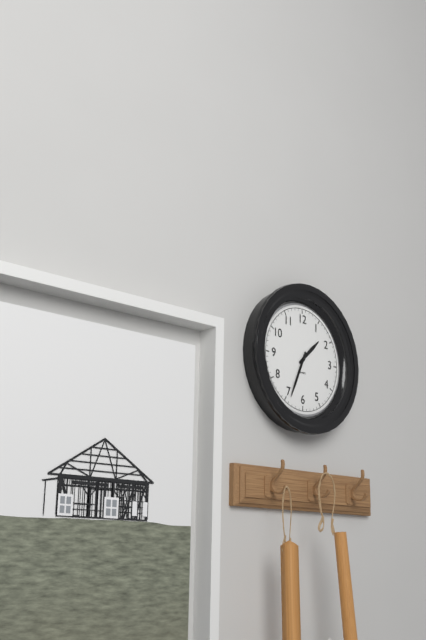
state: 1:34
